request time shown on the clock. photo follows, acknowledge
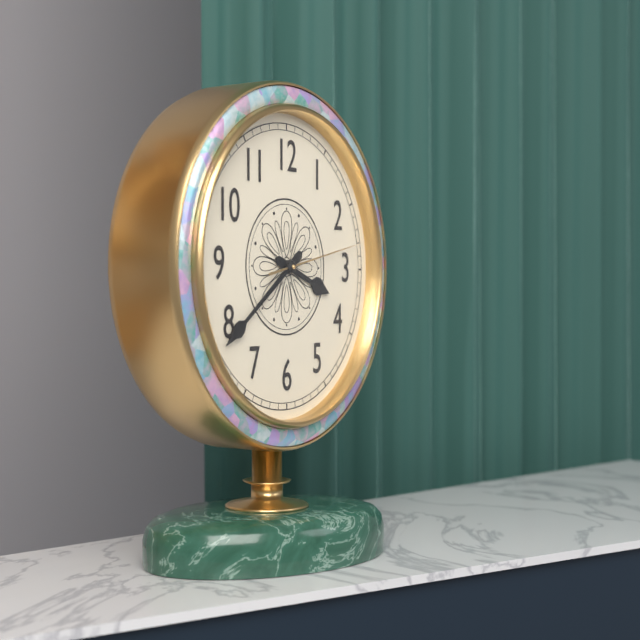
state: 3:39:13
